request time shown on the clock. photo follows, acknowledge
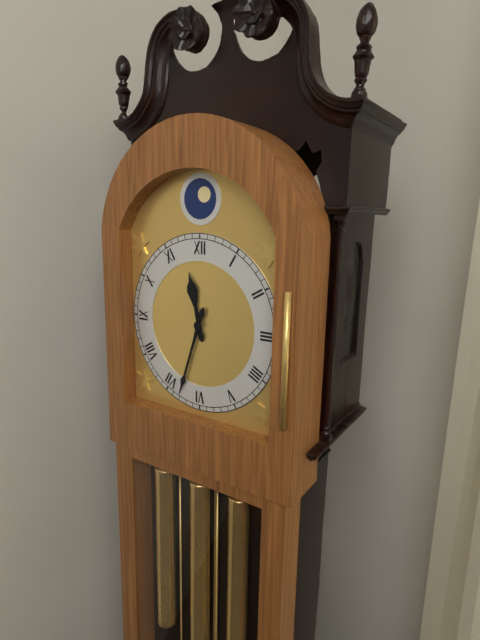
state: 11:33
